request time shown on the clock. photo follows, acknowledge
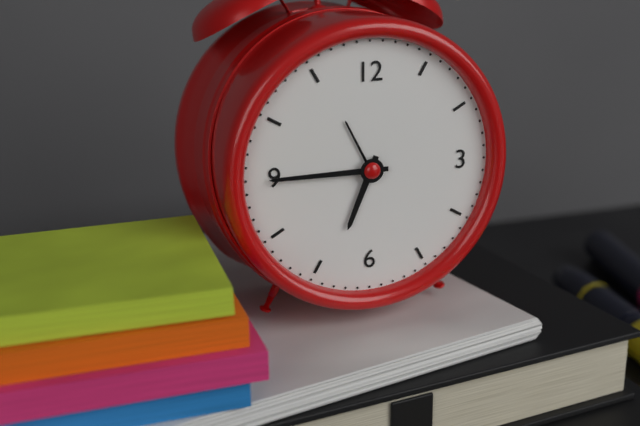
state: 6:45
